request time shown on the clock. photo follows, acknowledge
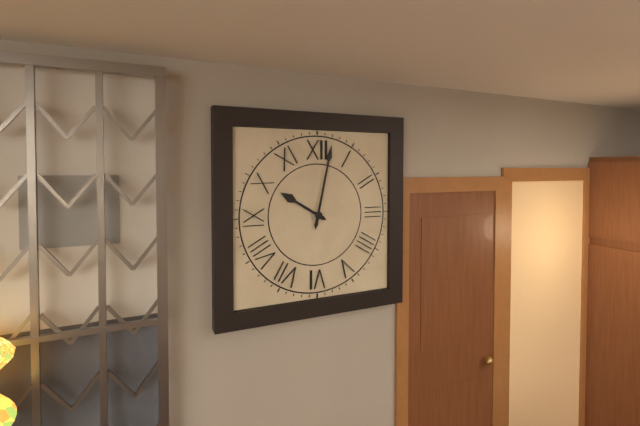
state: 10:02
